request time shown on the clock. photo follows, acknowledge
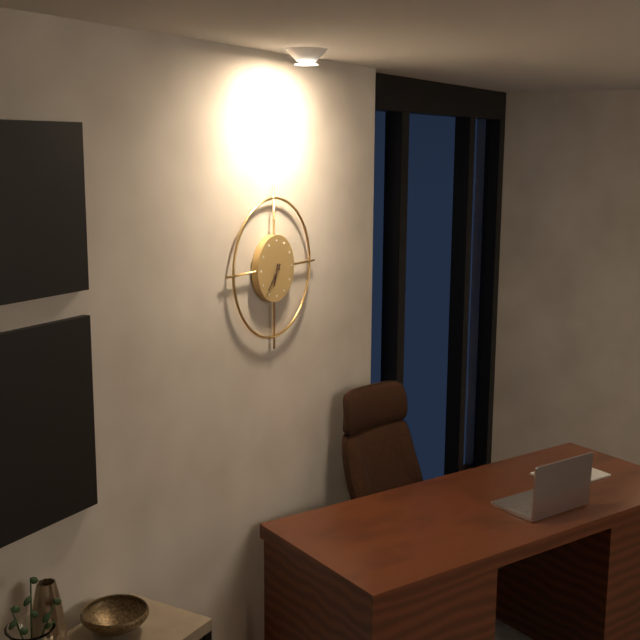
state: 6:37
